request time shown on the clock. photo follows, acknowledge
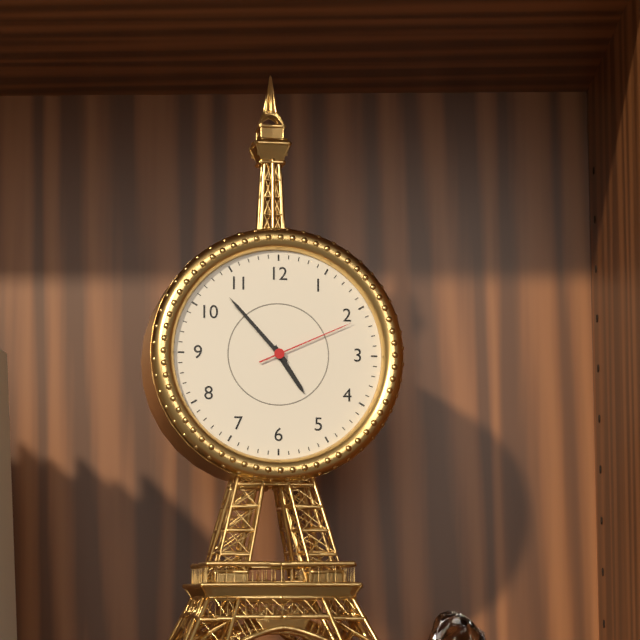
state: 4:53:11
